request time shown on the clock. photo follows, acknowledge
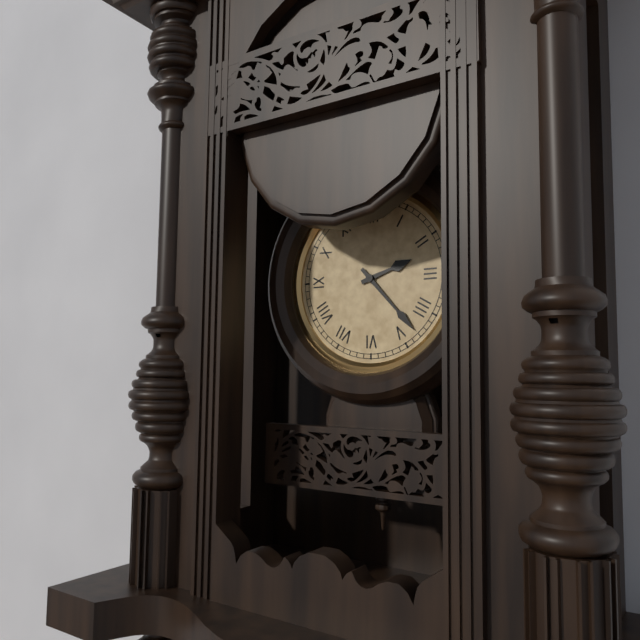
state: 2:23
